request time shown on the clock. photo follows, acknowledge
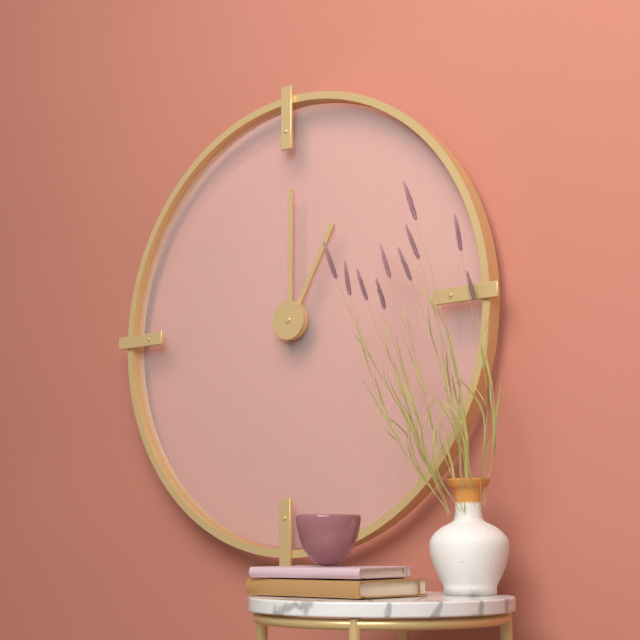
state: 1:00
